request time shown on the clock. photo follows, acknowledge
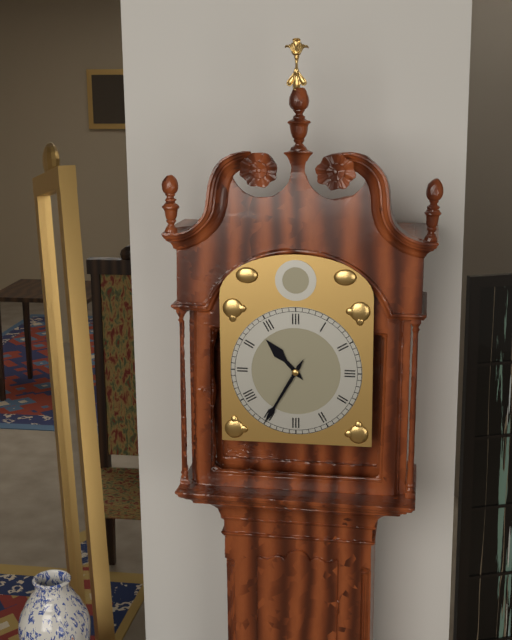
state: 10:35
